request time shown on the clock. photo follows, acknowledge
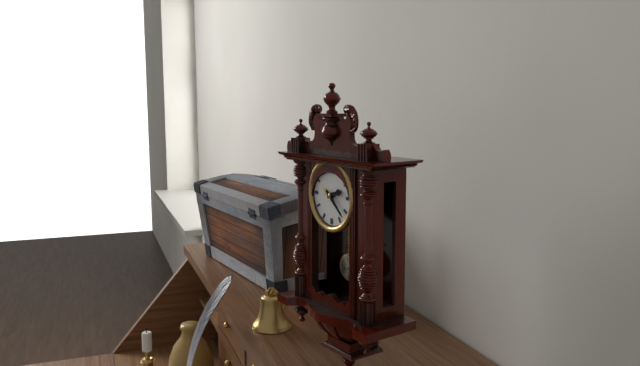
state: 2:22
